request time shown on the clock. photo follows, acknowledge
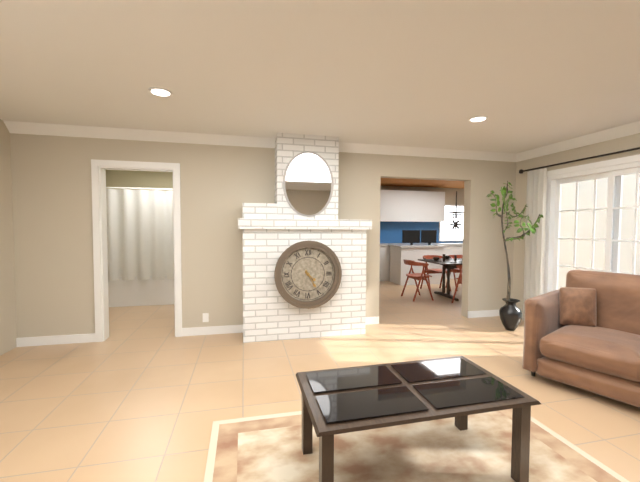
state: 4:25
